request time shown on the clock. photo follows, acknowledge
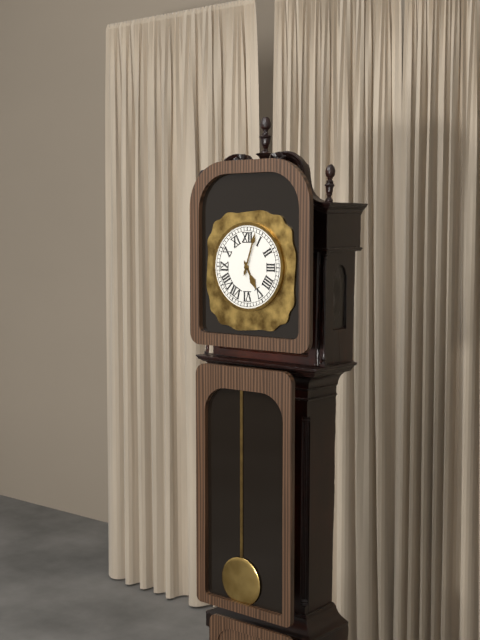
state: 5:03
